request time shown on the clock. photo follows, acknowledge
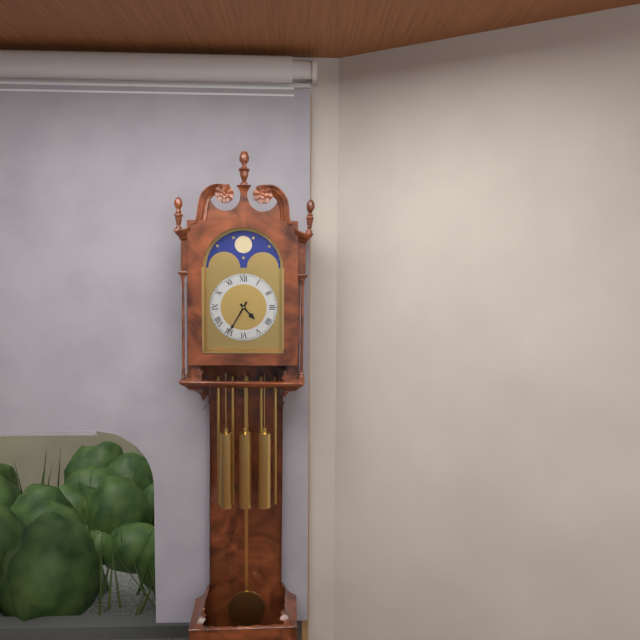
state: 4:35
